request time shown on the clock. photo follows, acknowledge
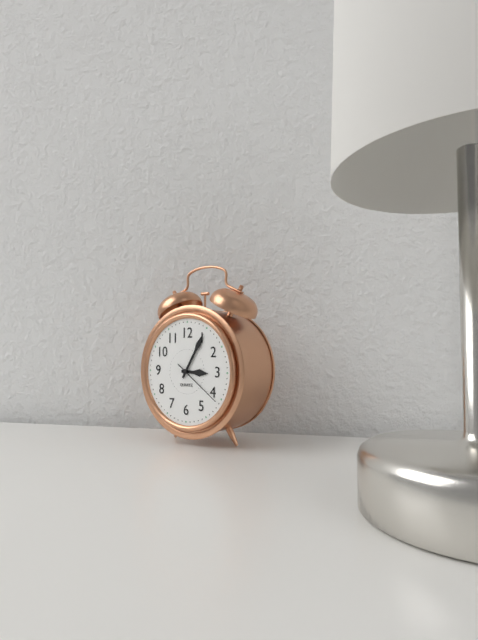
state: 3:05:21
